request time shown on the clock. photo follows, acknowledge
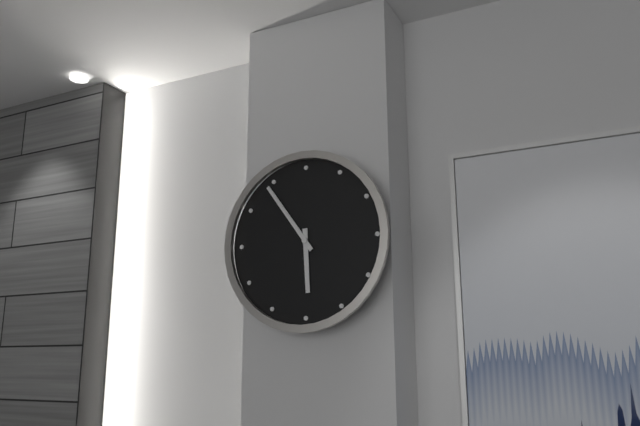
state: 5:54
